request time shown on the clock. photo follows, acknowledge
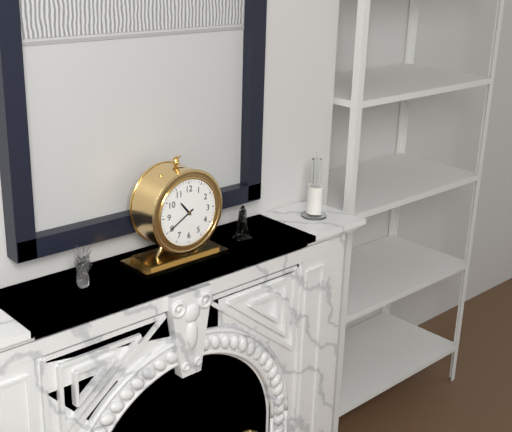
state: 10:40
